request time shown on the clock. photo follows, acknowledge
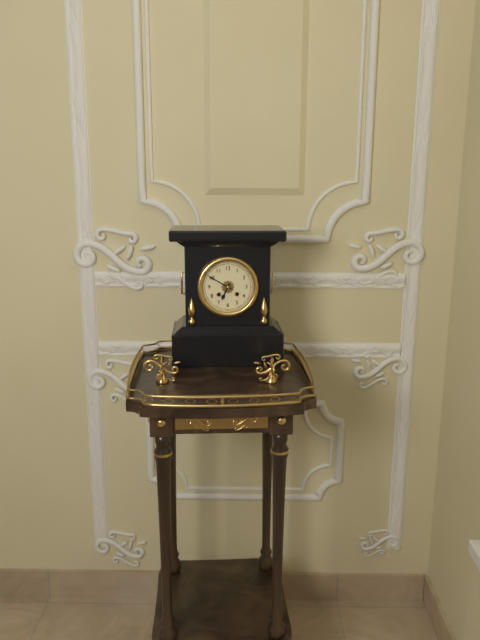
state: 6:50
